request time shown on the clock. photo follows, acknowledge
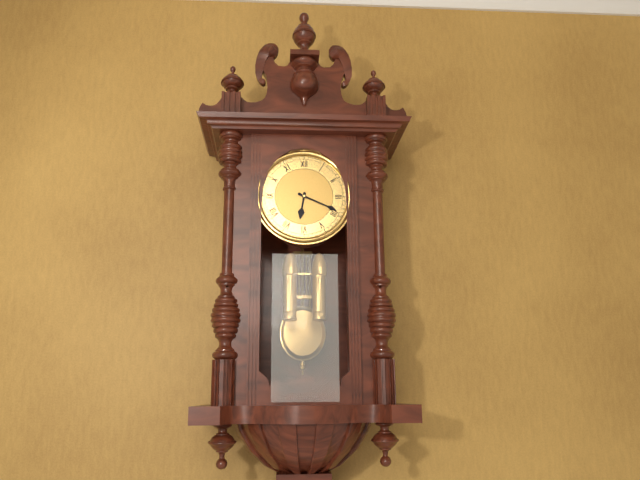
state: 6:19
